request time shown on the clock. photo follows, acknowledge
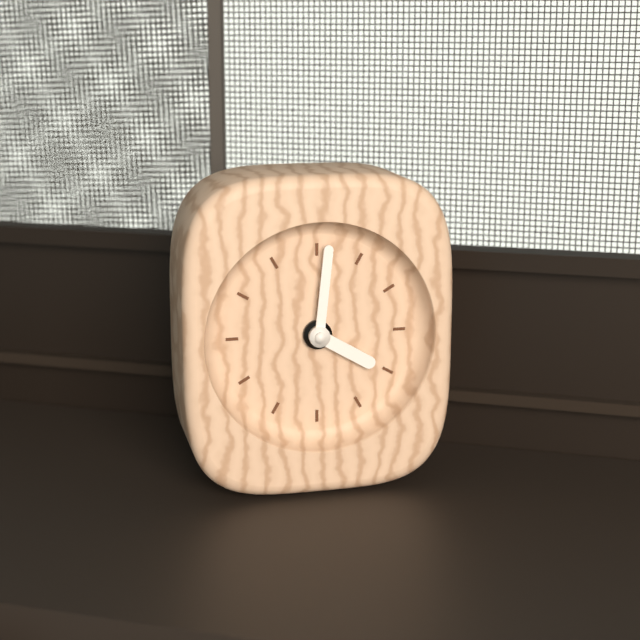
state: 4:01
